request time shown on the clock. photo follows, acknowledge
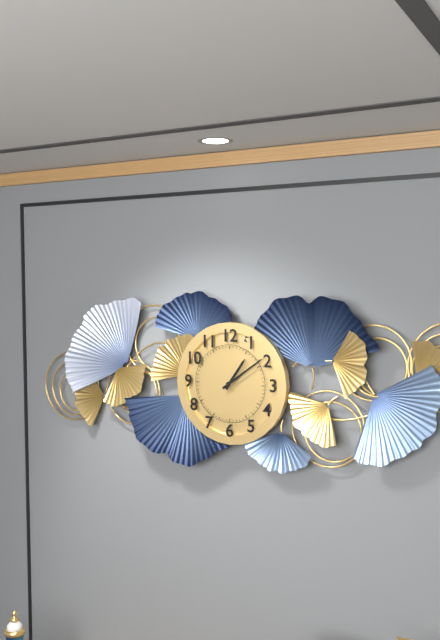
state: 1:09
